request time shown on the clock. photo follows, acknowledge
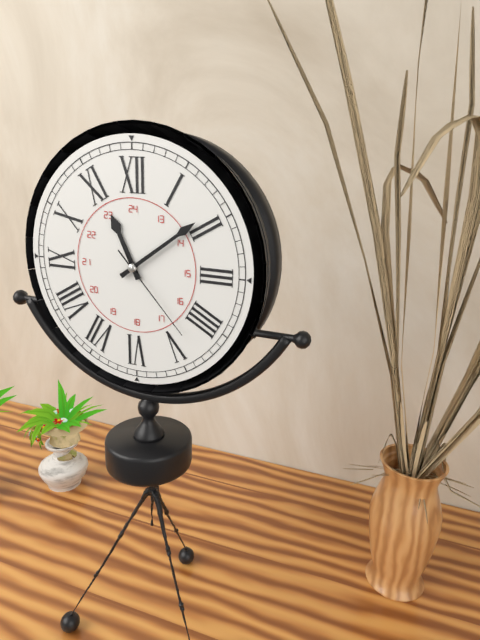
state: 11:09:23
